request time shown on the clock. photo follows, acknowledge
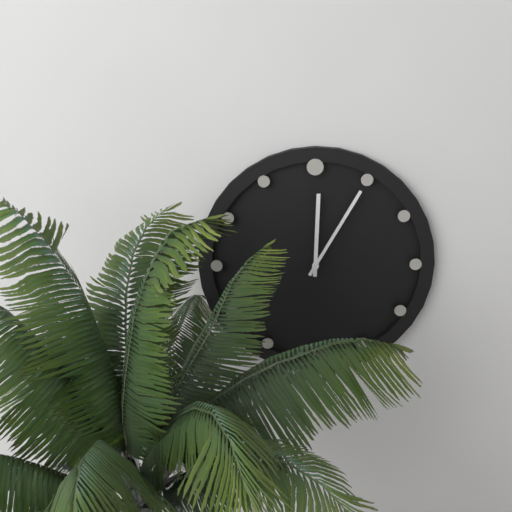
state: 12:05
